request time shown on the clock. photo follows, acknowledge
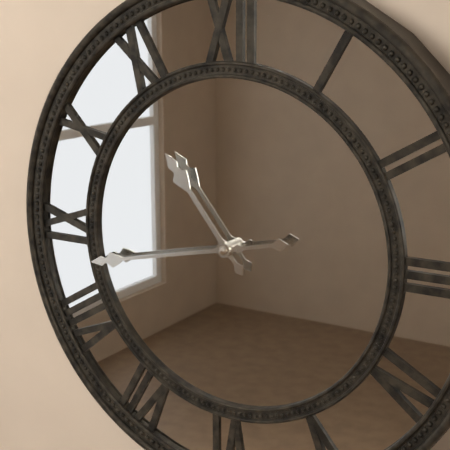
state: 10:43
